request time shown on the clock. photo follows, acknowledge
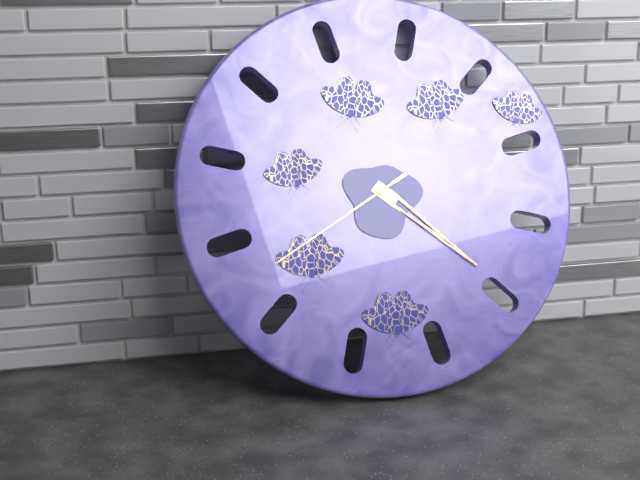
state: 4:22:40
